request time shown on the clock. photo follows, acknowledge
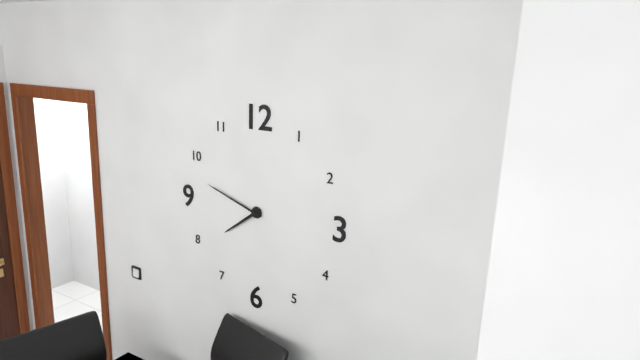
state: 7:48
